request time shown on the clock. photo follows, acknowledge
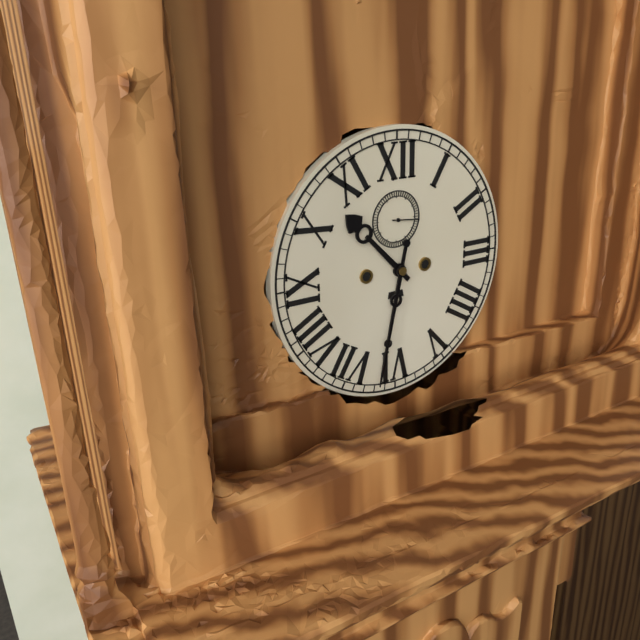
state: 10:32
